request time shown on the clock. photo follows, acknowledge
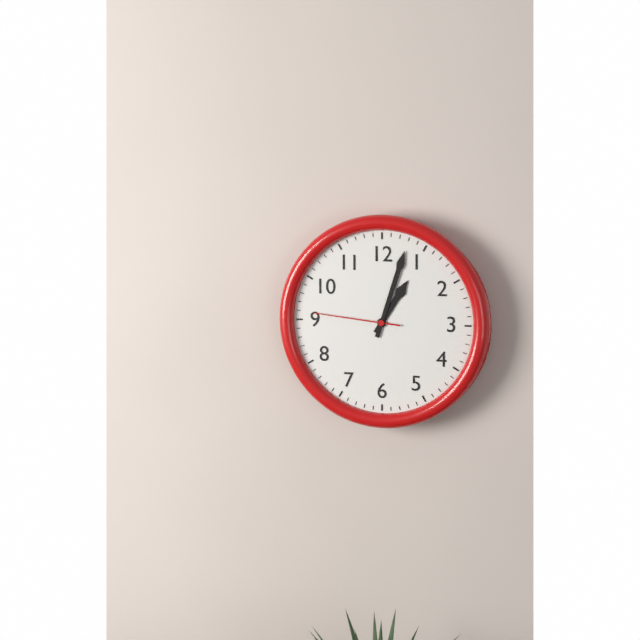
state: 1:03:46
